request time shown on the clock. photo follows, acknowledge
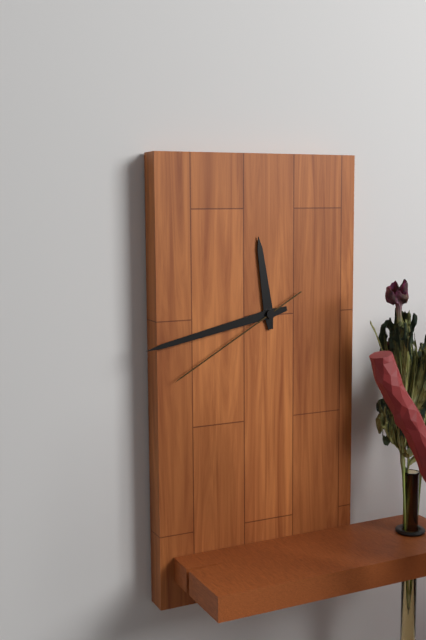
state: 11:43:40
